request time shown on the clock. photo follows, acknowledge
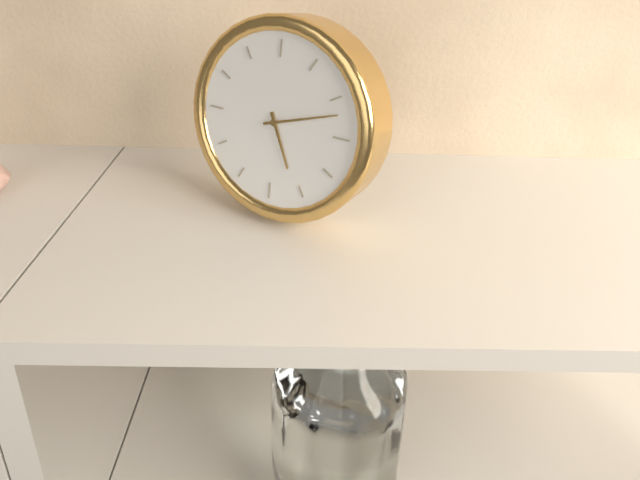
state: 5:12
